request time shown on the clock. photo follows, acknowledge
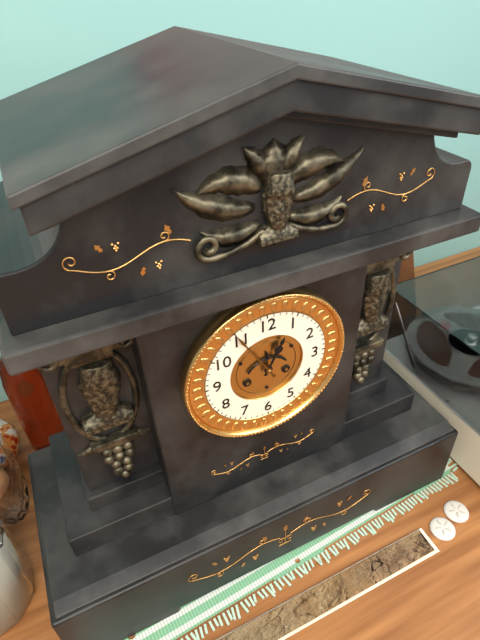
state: 12:55
